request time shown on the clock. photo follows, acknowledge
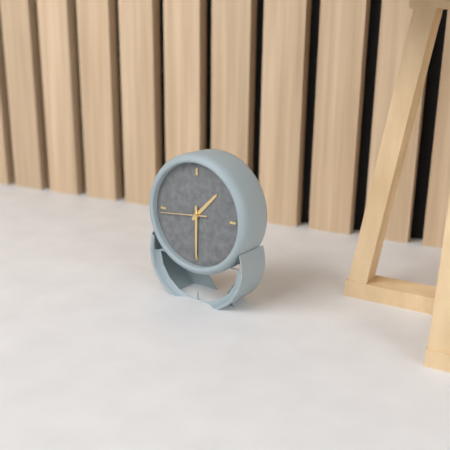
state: 1:30
